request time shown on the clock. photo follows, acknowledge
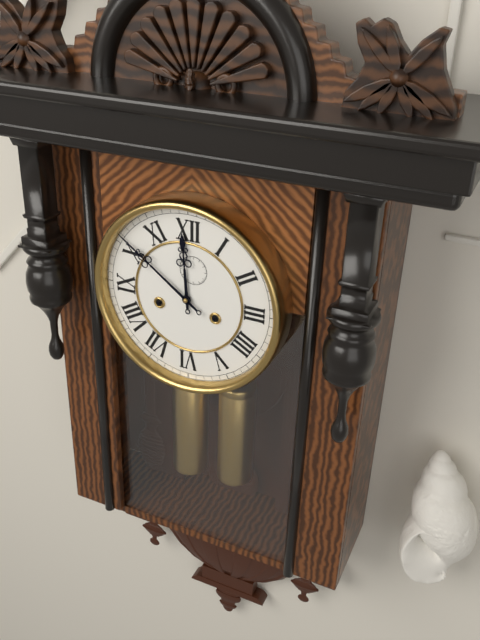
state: 11:51
